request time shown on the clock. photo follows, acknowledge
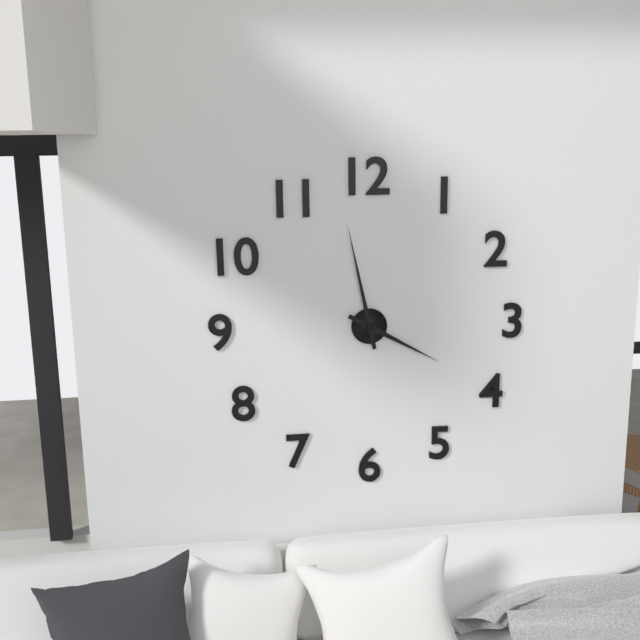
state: 3:58
